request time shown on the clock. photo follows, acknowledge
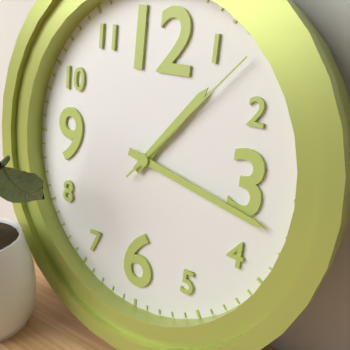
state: 1:17:07
